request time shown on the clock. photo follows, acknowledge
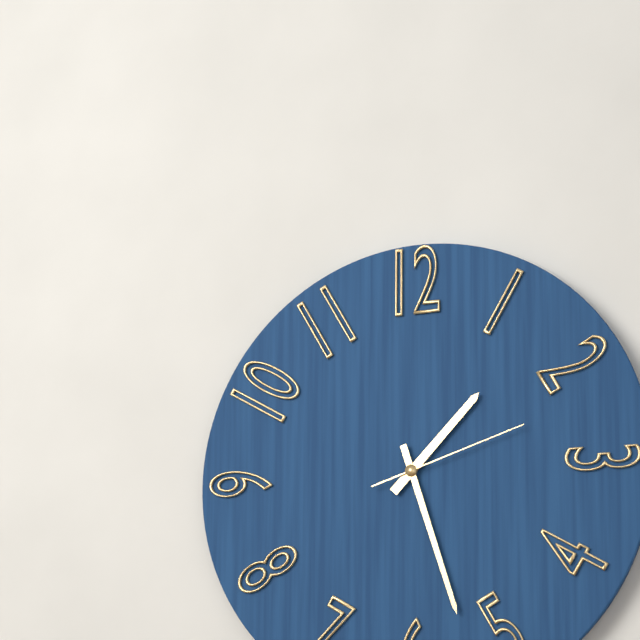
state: 1:27:12
